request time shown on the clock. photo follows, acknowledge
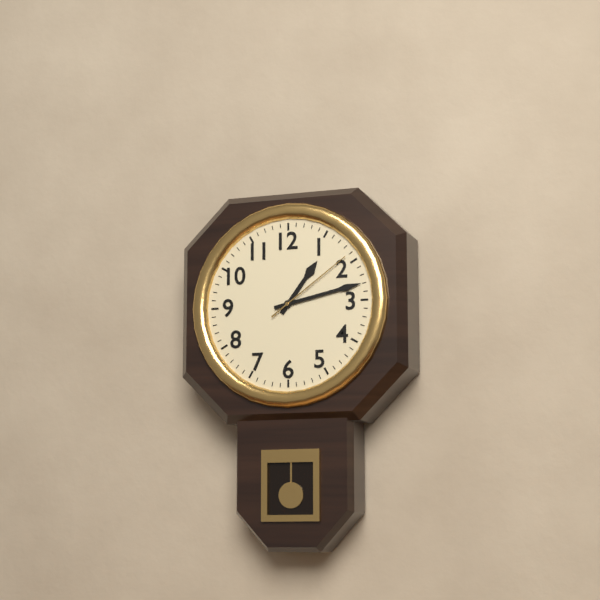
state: 1:13:09
